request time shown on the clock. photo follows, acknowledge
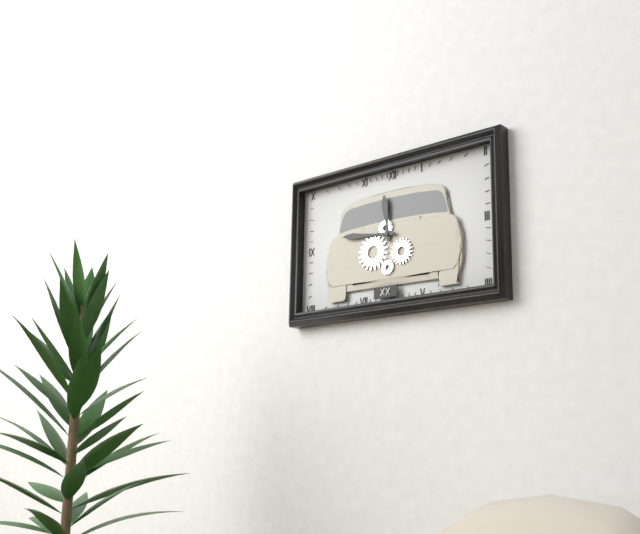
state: 11:46
